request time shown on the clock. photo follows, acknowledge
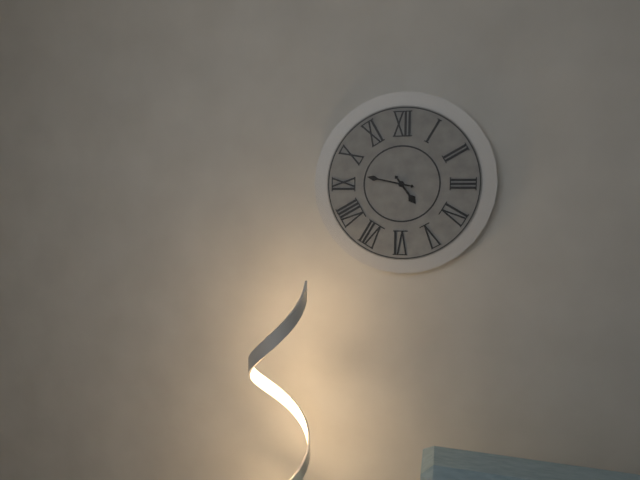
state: 4:47
